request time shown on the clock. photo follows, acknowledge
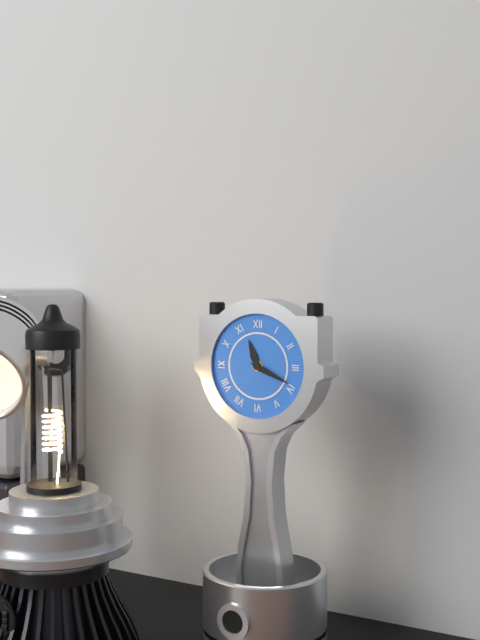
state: 11:19
